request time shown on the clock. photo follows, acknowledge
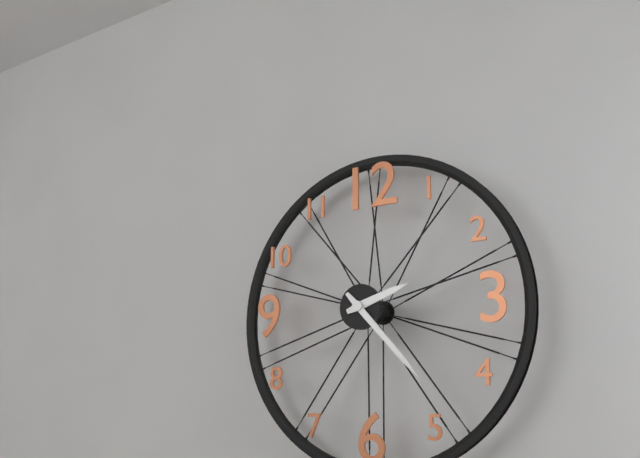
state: 2:23
